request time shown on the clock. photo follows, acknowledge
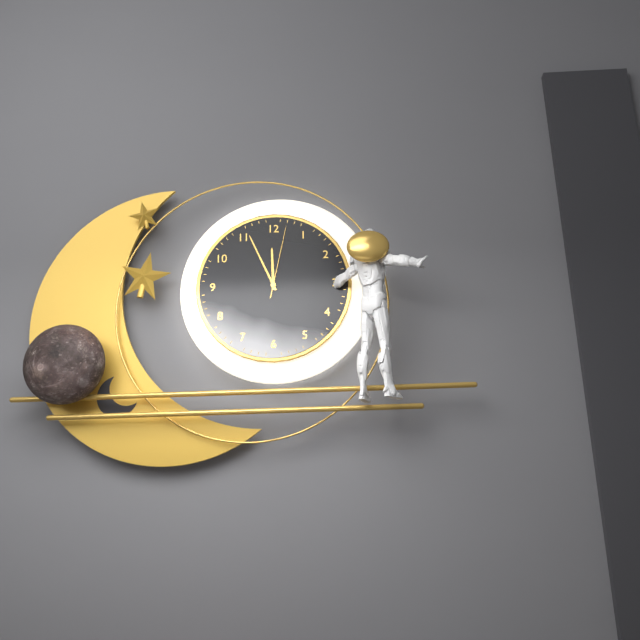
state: 11:56:02
